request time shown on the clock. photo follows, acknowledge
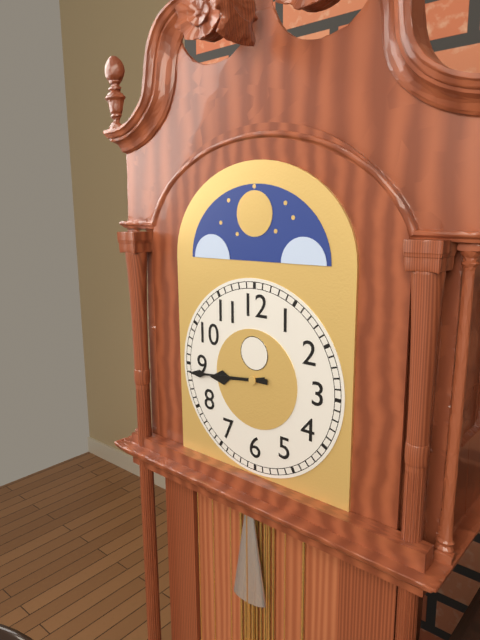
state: 8:44
